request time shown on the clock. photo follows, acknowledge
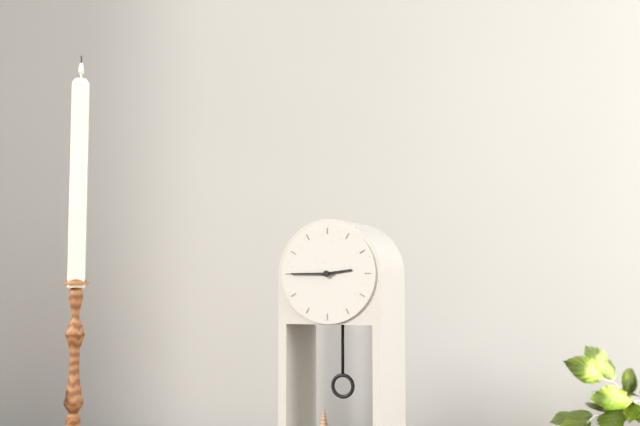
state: 2:45
